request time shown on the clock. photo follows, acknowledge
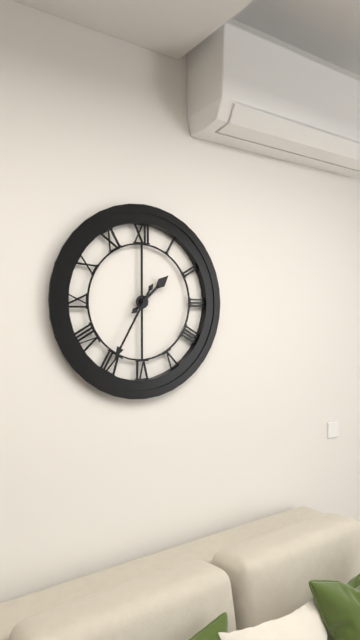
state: 1:35
